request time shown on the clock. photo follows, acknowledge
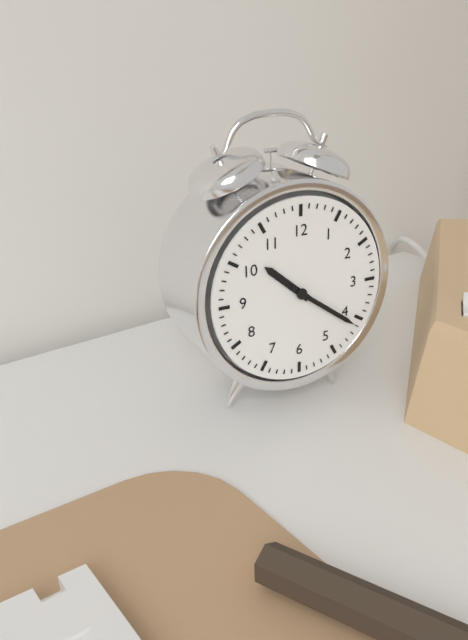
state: 10:21
